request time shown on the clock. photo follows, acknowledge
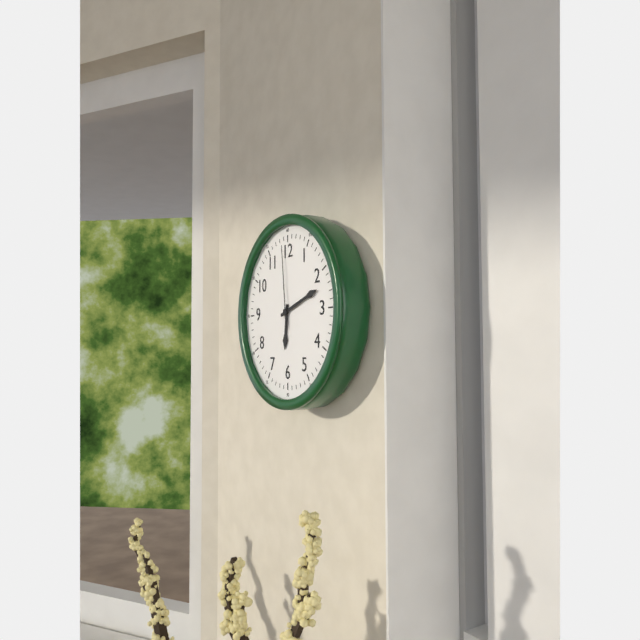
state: 6:12:59
